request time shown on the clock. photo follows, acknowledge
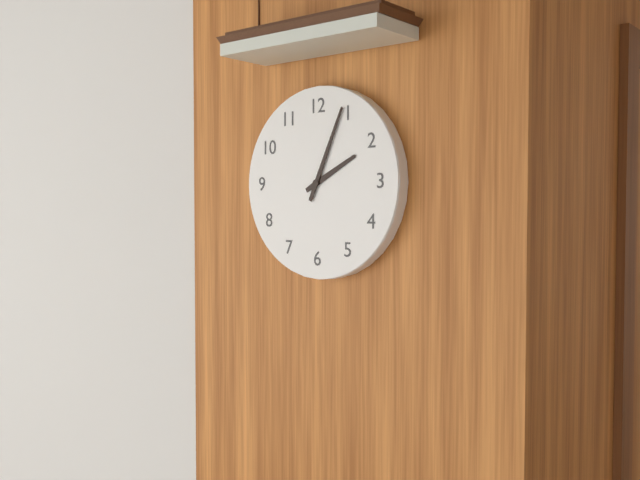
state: 2:04
